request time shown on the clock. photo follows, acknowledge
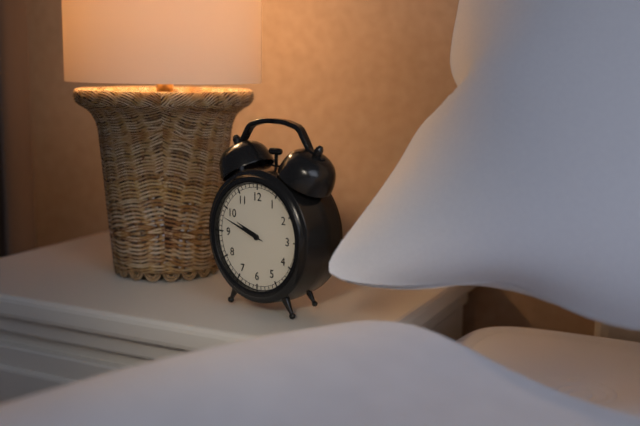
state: 9:48
